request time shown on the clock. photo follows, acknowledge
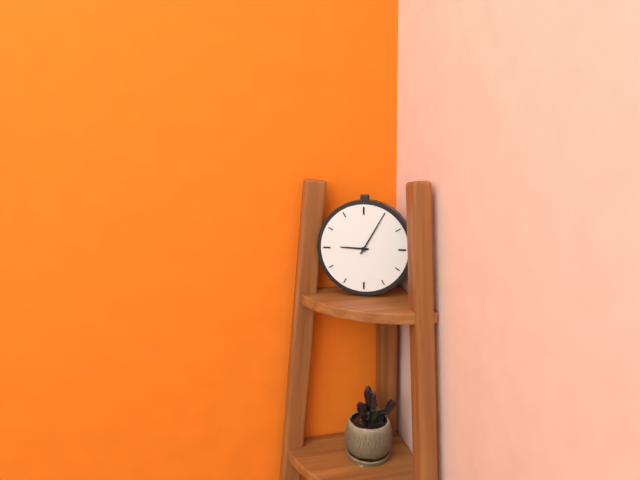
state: 9:05
